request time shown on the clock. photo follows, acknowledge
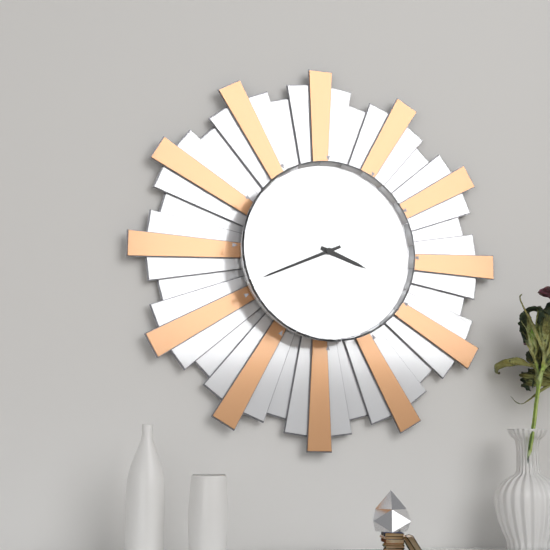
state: 3:41
